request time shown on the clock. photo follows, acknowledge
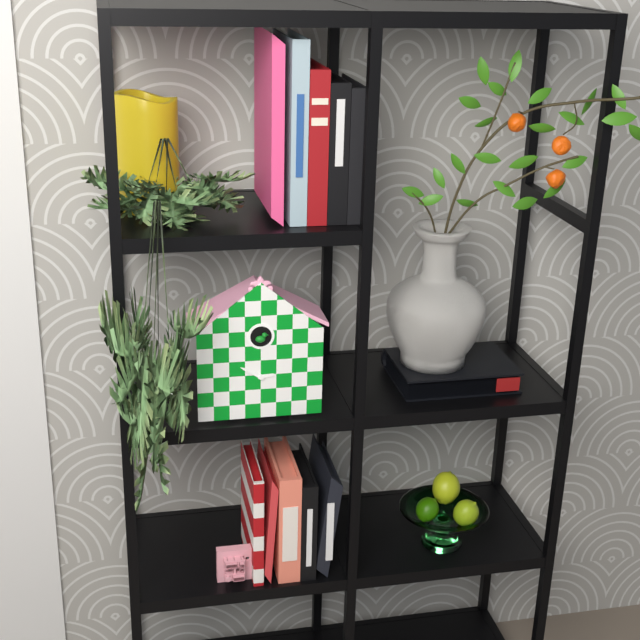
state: 2:50
